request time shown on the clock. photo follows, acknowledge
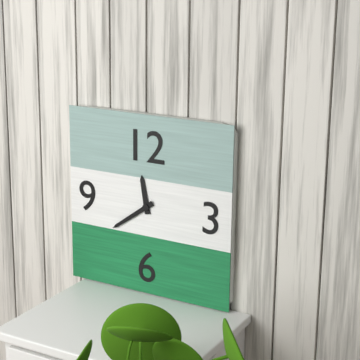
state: 11:39
